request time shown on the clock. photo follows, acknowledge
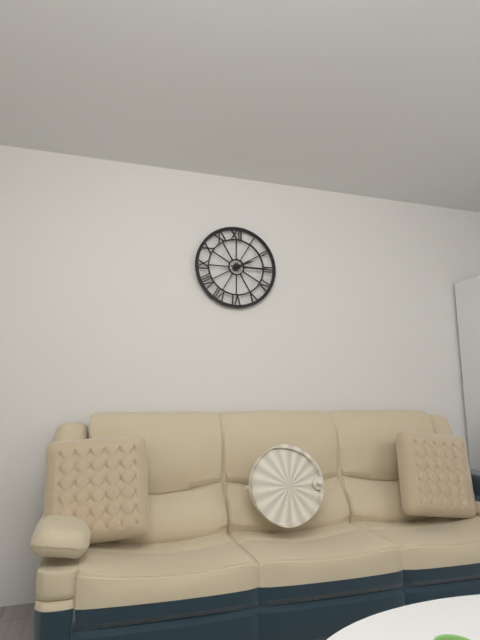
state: 2:15
